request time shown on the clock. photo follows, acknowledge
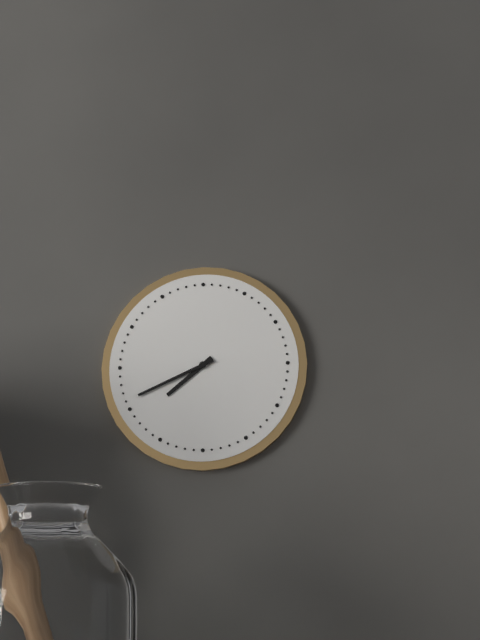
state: 7:41
